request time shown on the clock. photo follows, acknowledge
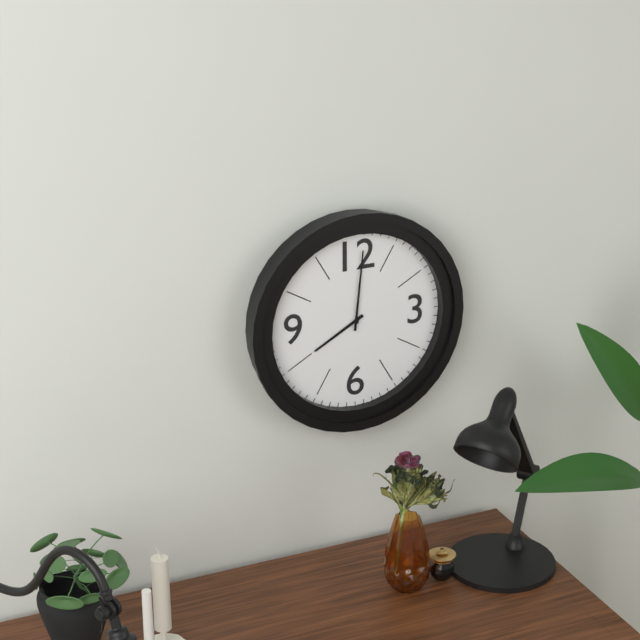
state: 8:01
